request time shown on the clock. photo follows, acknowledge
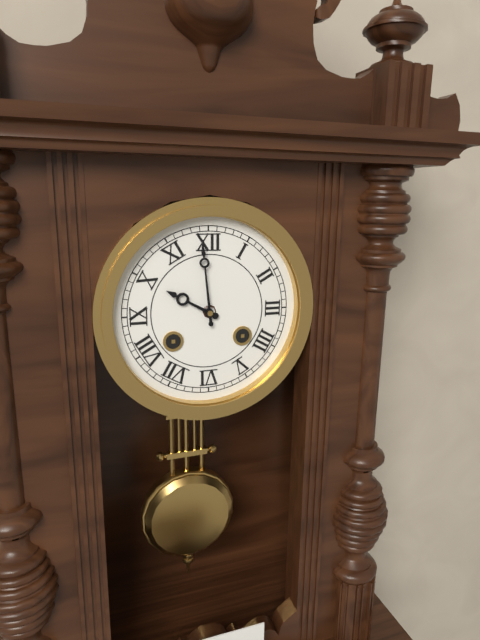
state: 9:59
